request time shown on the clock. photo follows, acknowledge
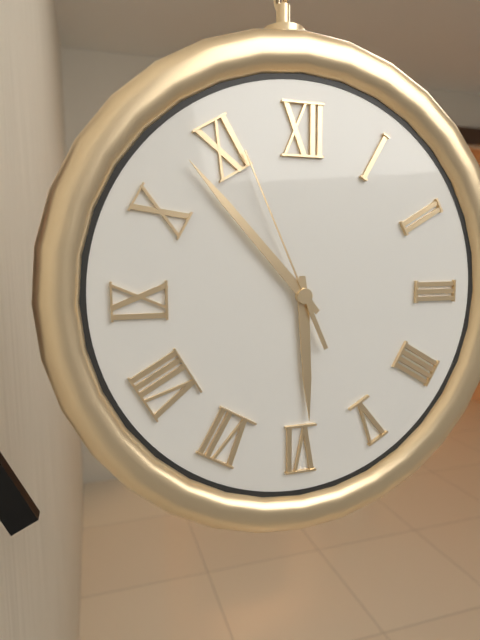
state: 5:53:56
